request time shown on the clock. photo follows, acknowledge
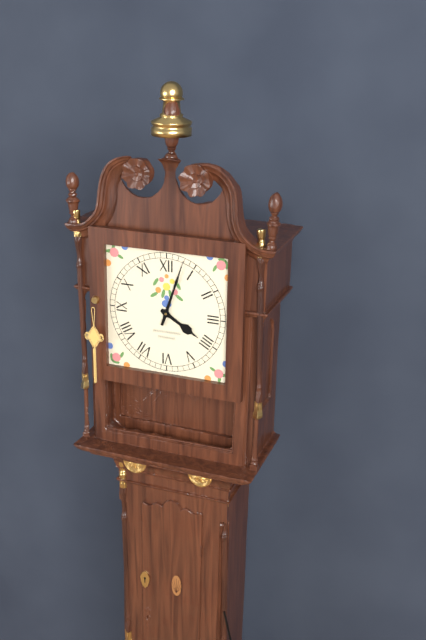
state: 4:03
